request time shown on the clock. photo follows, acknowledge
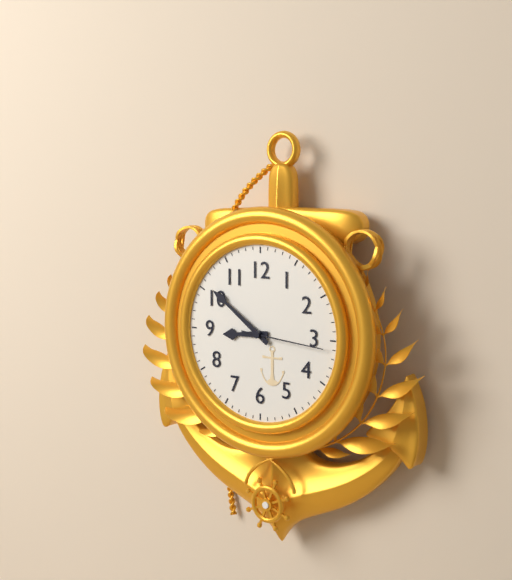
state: 8:51:16
